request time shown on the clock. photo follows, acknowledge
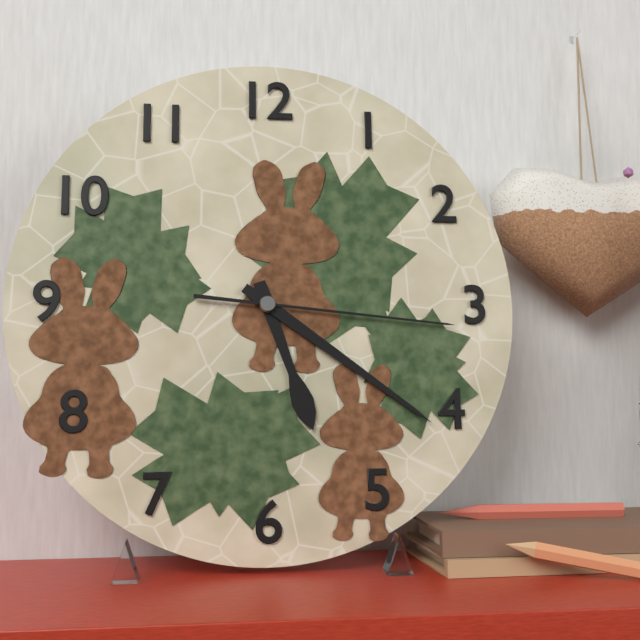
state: 5:21:16
